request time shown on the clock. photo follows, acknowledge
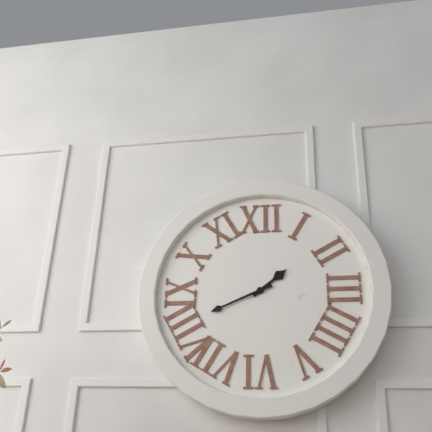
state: 1:41
